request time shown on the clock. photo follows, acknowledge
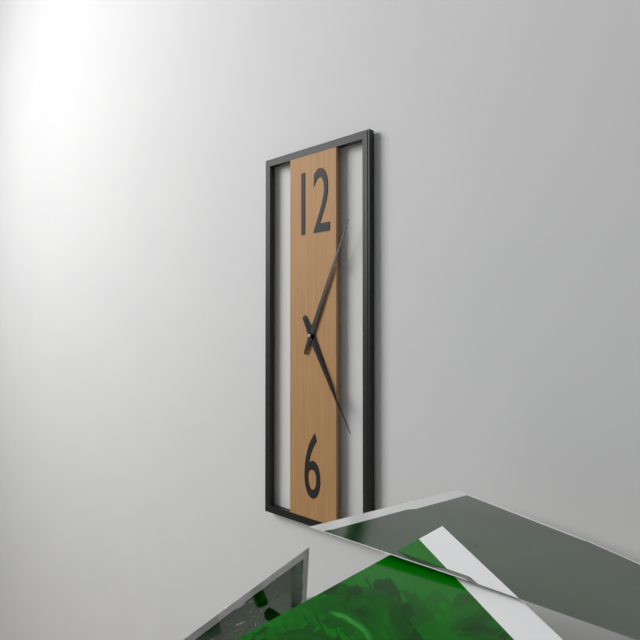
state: 5:04:25
